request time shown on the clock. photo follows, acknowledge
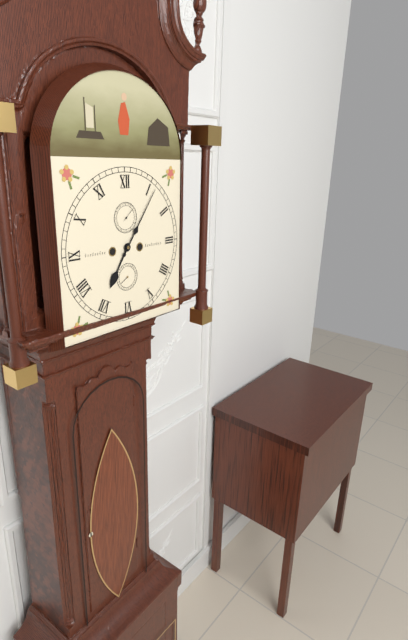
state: 7:06
